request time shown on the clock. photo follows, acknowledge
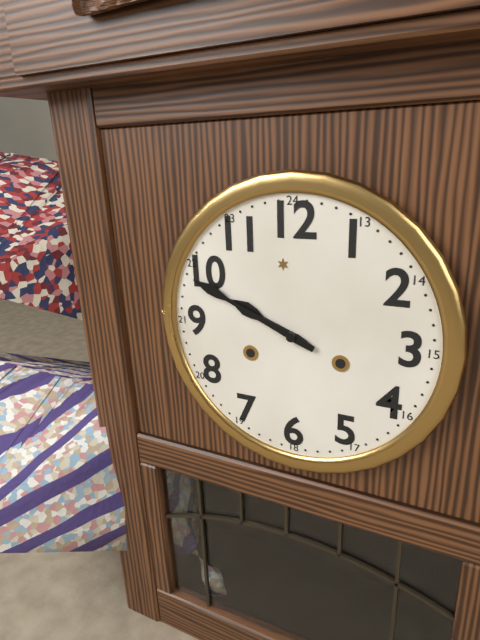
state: 9:49
